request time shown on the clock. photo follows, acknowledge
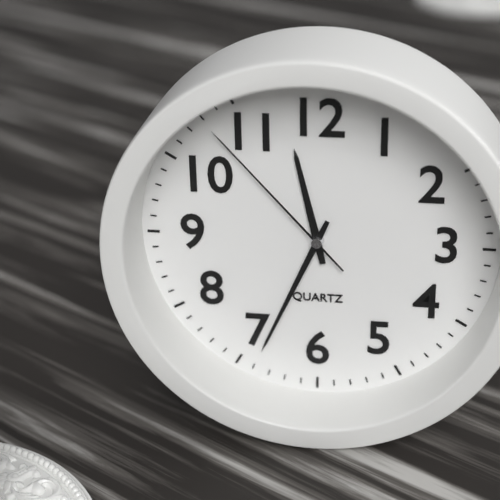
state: 11:34:53
